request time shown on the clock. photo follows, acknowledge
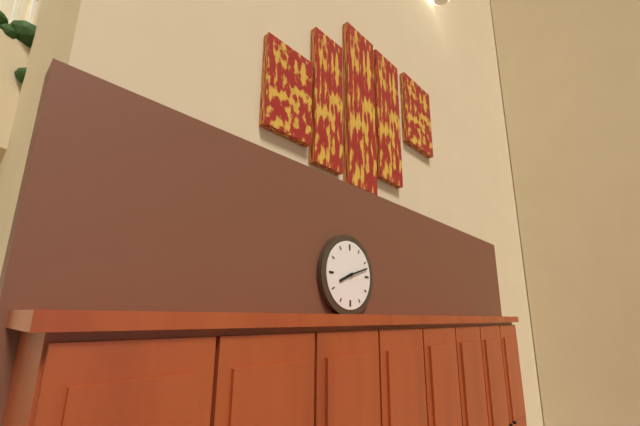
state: 8:12
